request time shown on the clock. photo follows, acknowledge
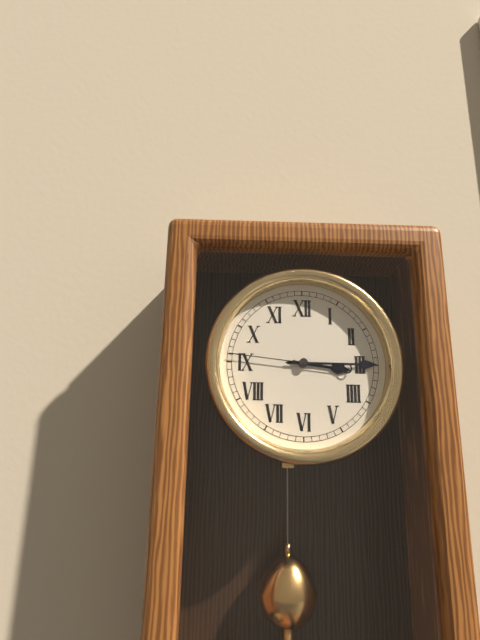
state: 3:15:46
